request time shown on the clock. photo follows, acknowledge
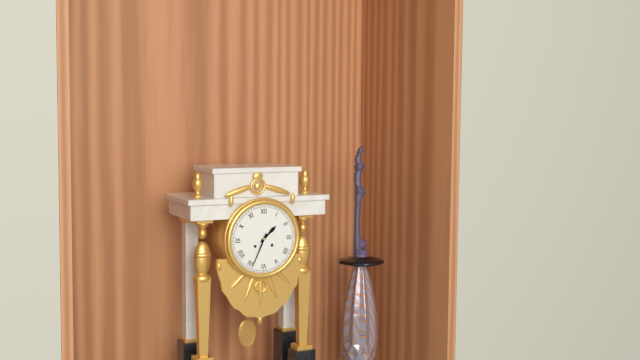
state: 1:34
